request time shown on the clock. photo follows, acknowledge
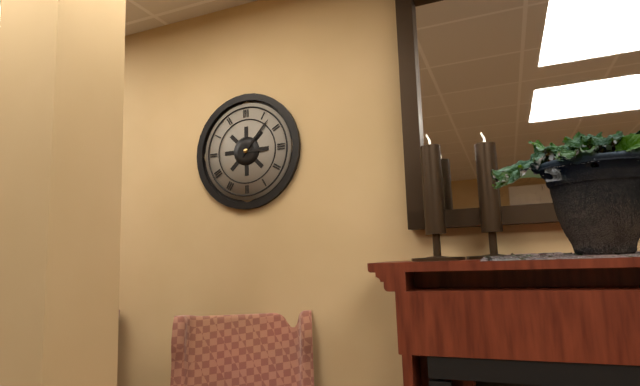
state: 3:07
